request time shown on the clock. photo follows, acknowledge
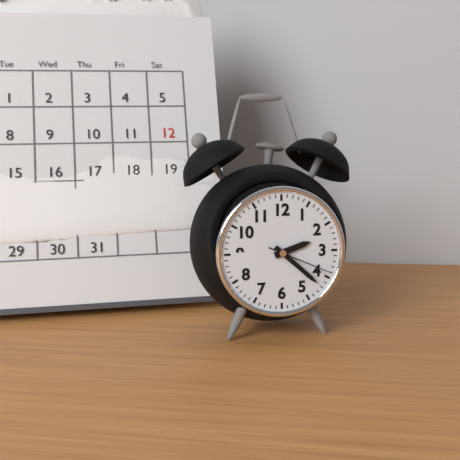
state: 2:22:19
